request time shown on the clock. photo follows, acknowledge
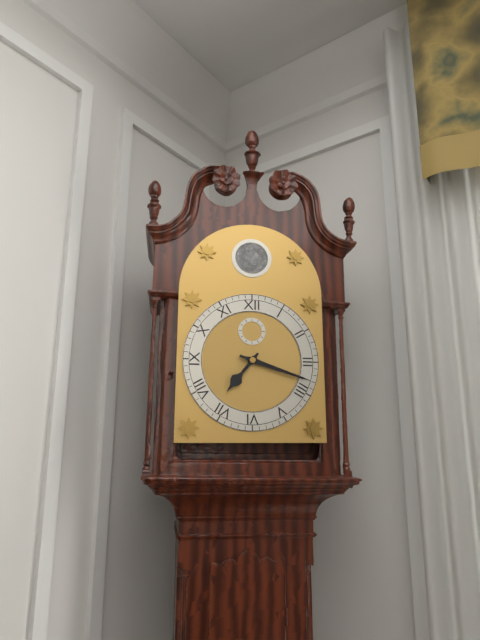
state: 7:18
